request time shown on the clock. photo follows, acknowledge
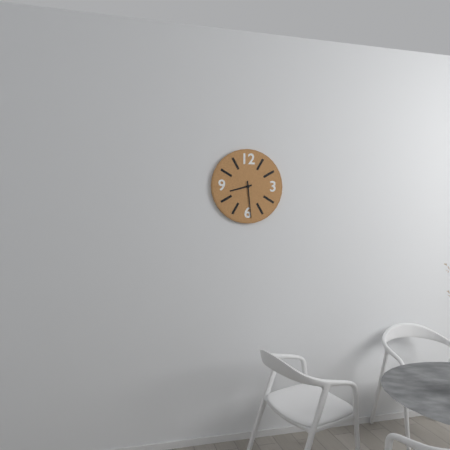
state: 8:29
